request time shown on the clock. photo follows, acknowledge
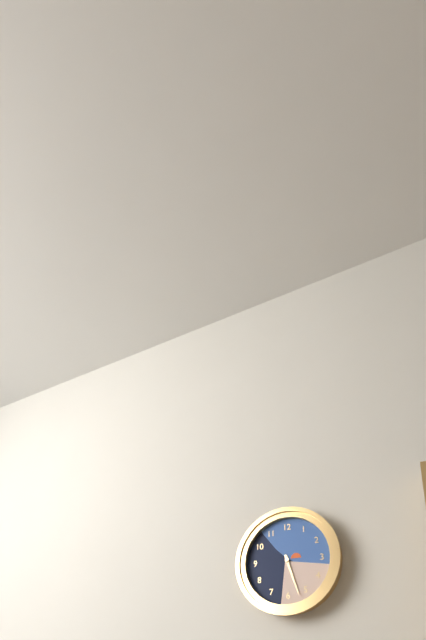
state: 5:27
